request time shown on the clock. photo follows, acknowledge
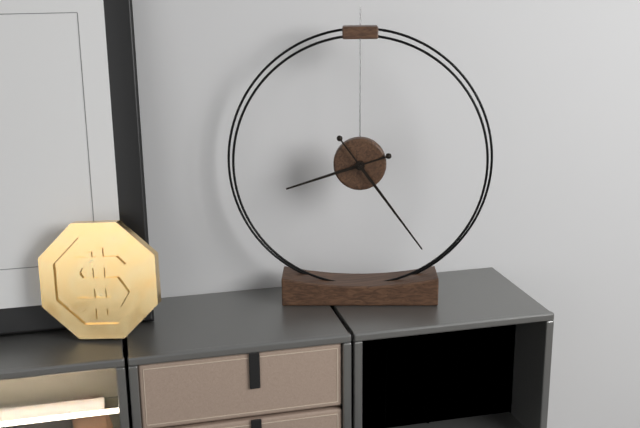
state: 8:24
